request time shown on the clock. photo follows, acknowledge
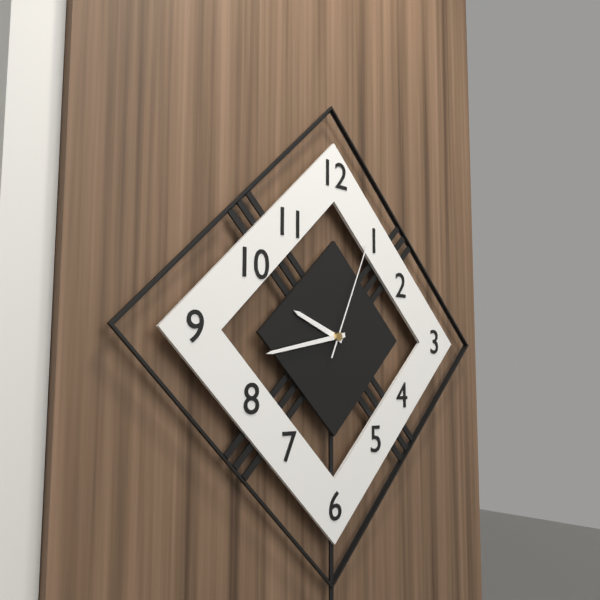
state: 9:43:04
